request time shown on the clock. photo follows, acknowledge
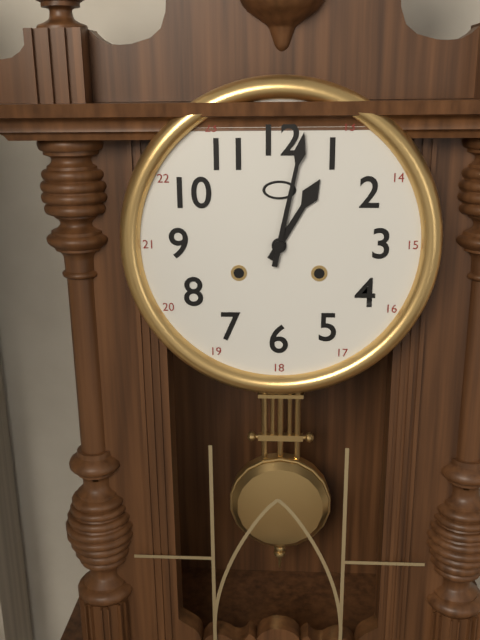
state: 1:02
